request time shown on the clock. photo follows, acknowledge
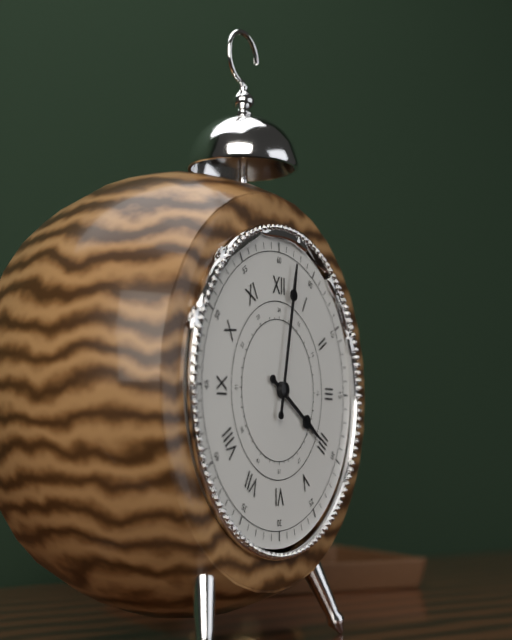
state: 4:02
